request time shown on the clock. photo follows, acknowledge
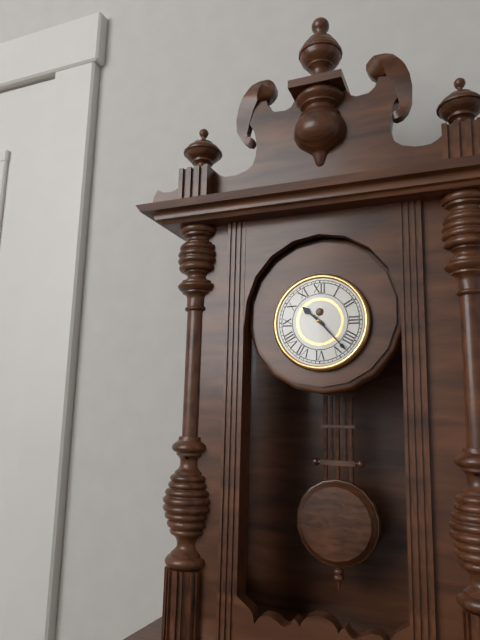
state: 10:23
